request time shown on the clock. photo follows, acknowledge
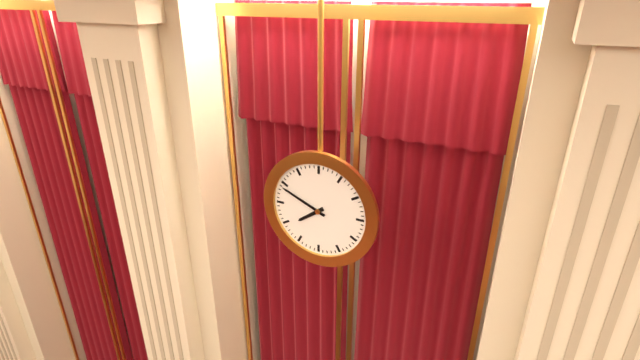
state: 7:49
